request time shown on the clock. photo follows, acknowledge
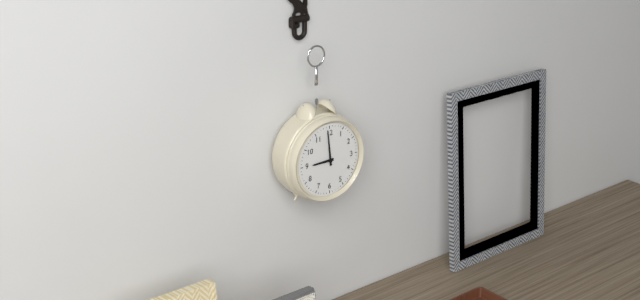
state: 8:59
